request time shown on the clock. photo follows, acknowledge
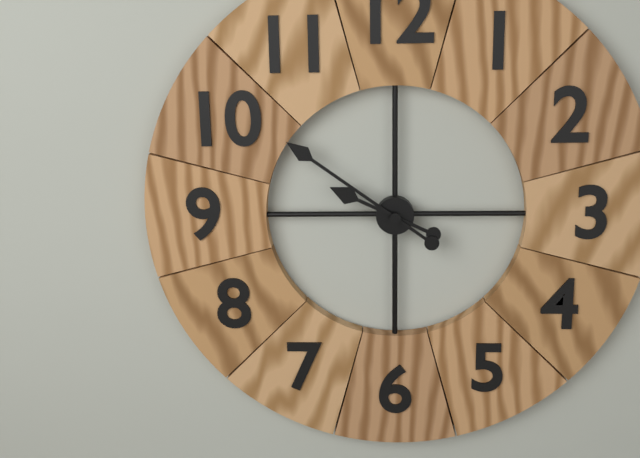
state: 9:51
